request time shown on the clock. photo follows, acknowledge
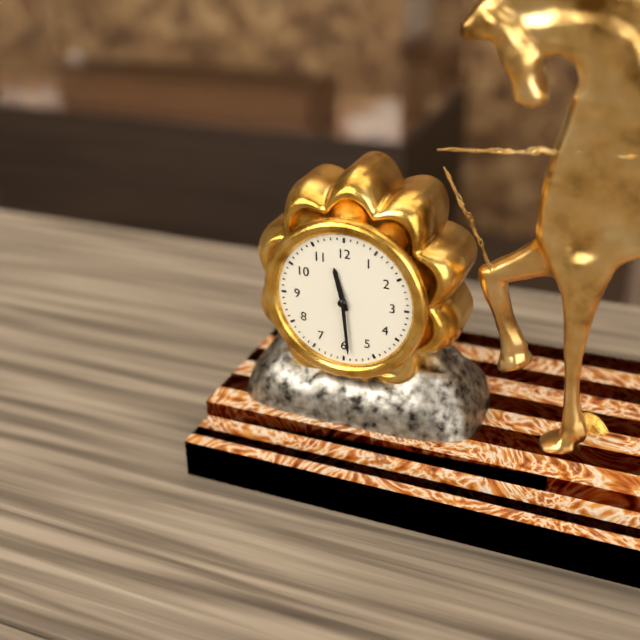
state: 11:29
